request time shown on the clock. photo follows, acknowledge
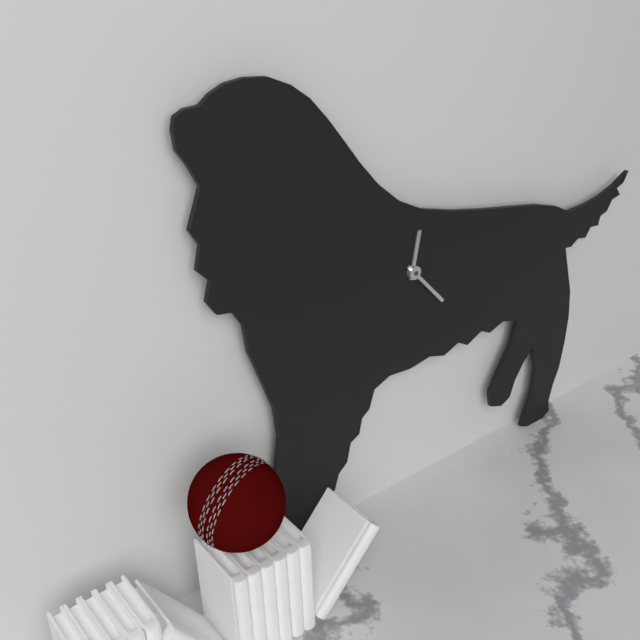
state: 12:23
